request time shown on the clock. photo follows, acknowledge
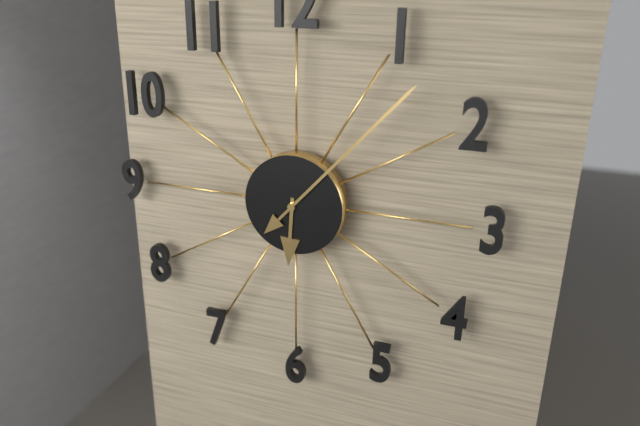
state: 6:07
